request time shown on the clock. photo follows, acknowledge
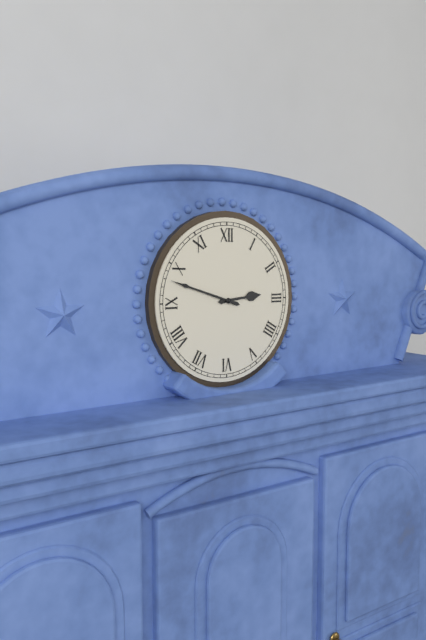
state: 2:48
